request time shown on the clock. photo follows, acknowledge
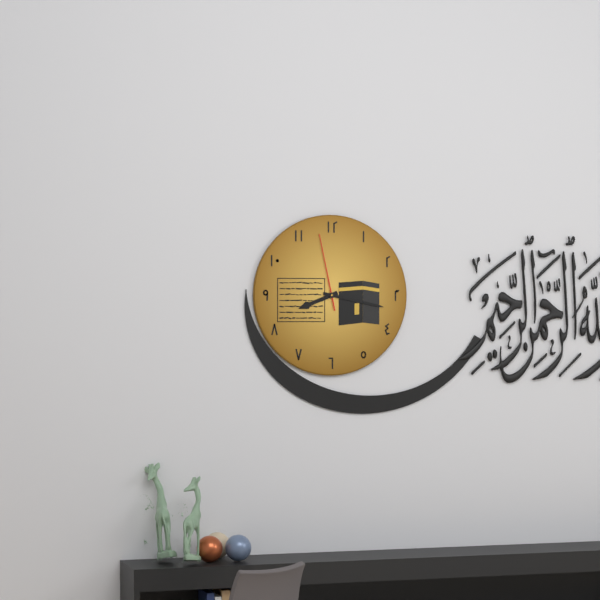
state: 8:17:58
